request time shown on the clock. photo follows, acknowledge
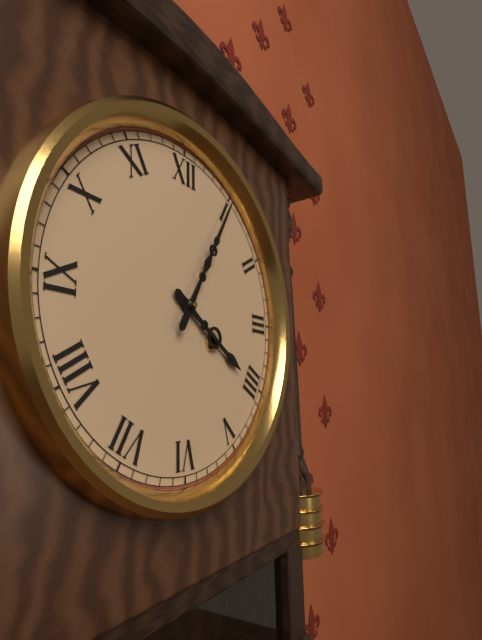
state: 4:05
